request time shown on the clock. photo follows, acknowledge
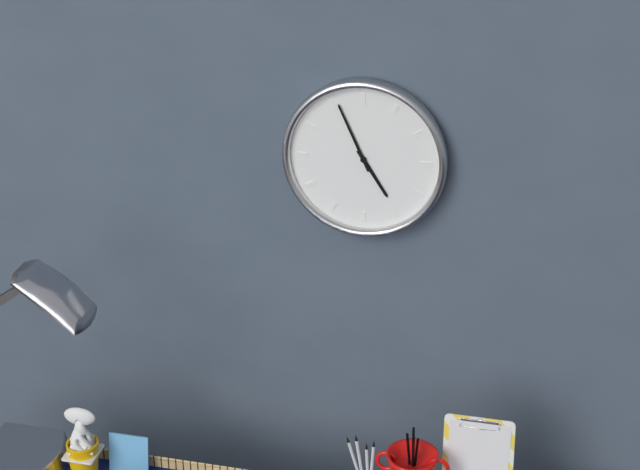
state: 4:56
